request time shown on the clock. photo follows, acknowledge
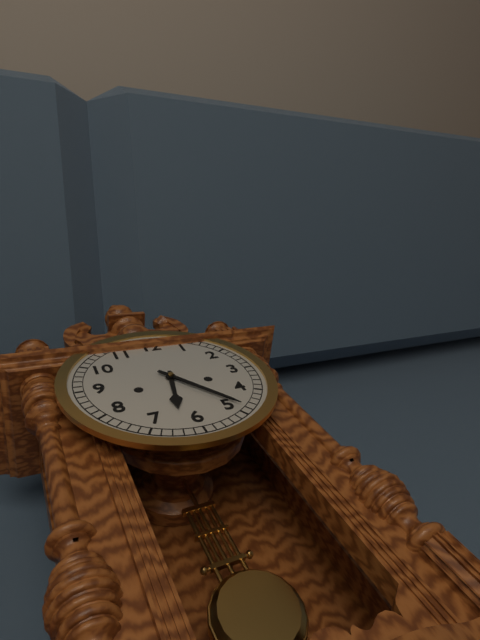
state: 6:24
